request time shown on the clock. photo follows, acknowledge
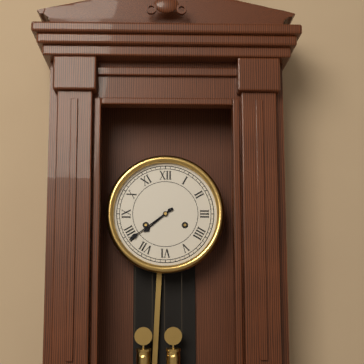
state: 7:39
